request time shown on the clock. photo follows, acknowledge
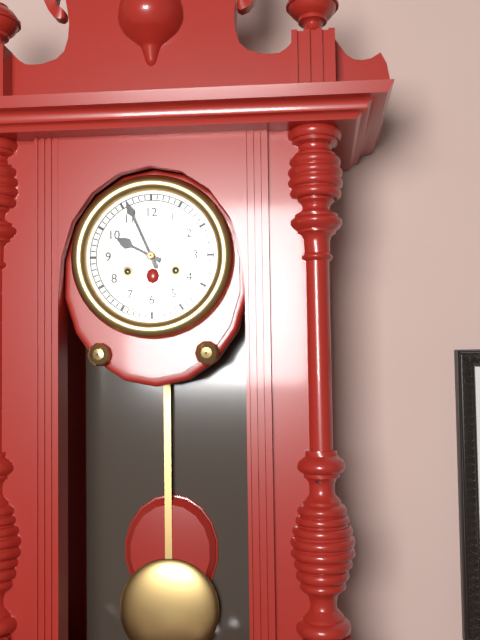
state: 9:56
